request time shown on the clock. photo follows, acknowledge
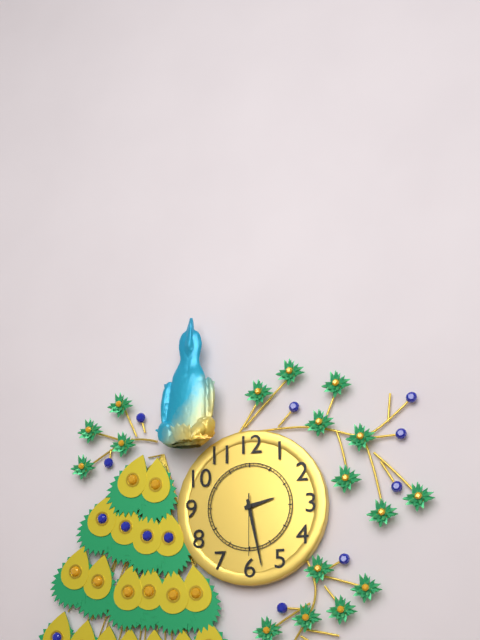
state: 2:28:30
